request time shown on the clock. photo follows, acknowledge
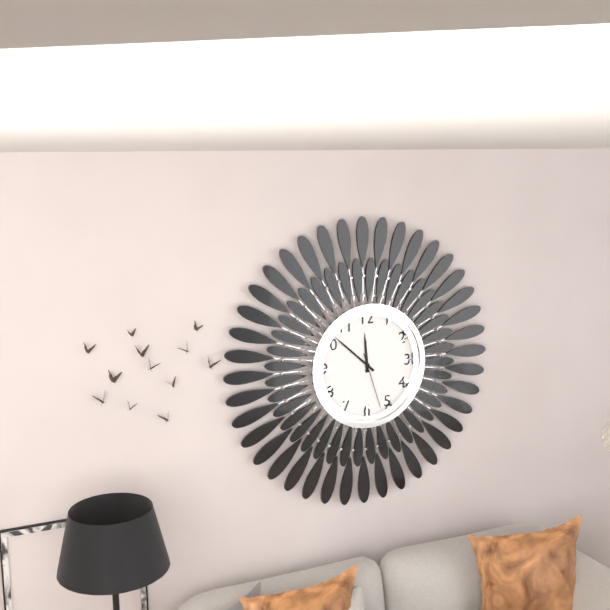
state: 11:52:27
